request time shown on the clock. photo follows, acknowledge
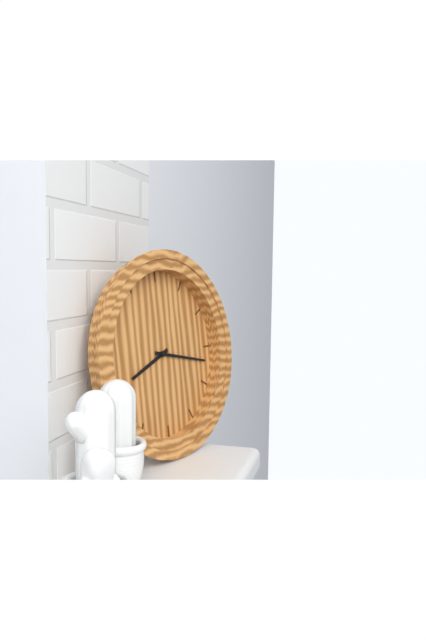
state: 8:17
